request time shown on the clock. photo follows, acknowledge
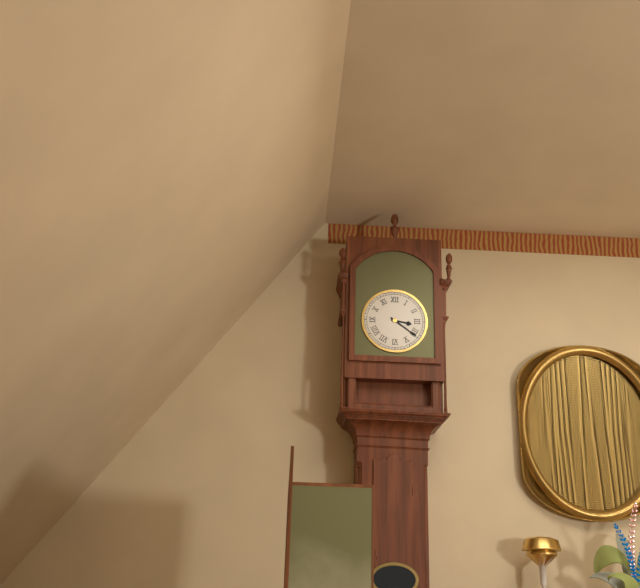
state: 3:21
